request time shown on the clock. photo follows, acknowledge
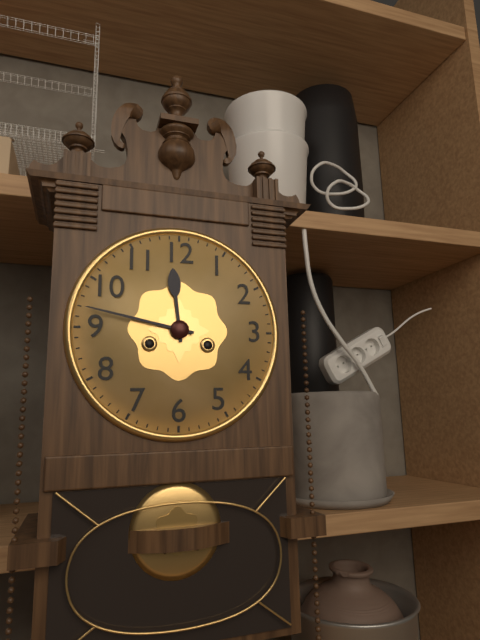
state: 11:47
